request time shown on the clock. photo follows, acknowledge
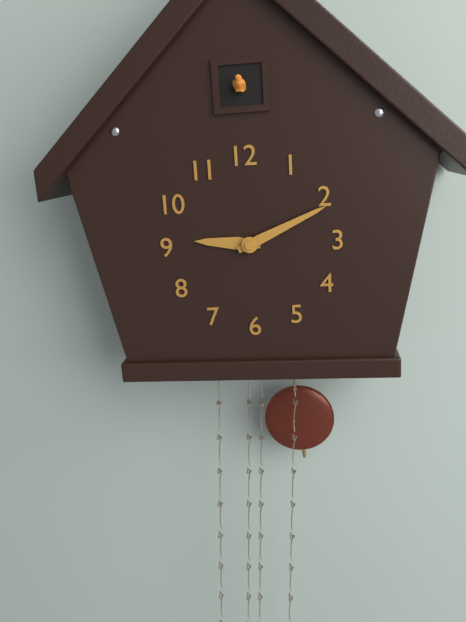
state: 9:11
